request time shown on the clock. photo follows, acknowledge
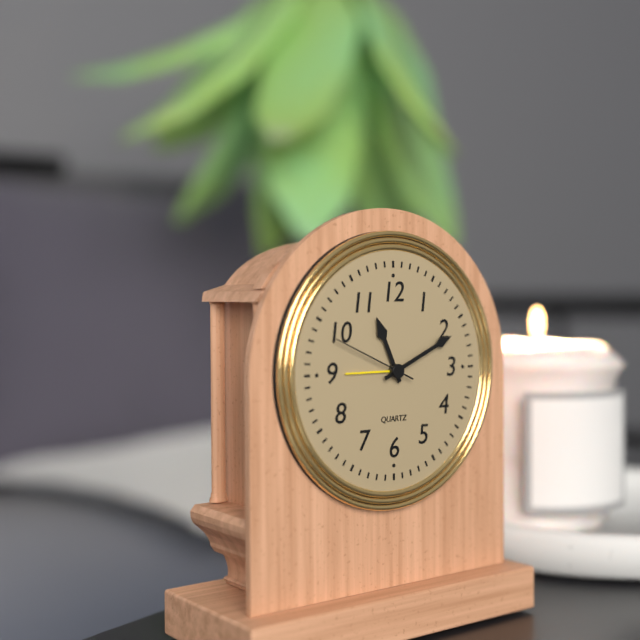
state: 11:11:49
